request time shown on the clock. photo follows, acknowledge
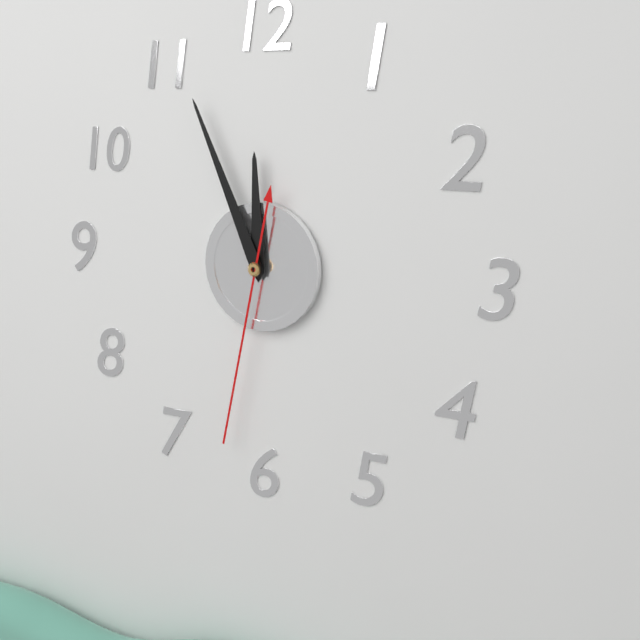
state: 11:56:32
